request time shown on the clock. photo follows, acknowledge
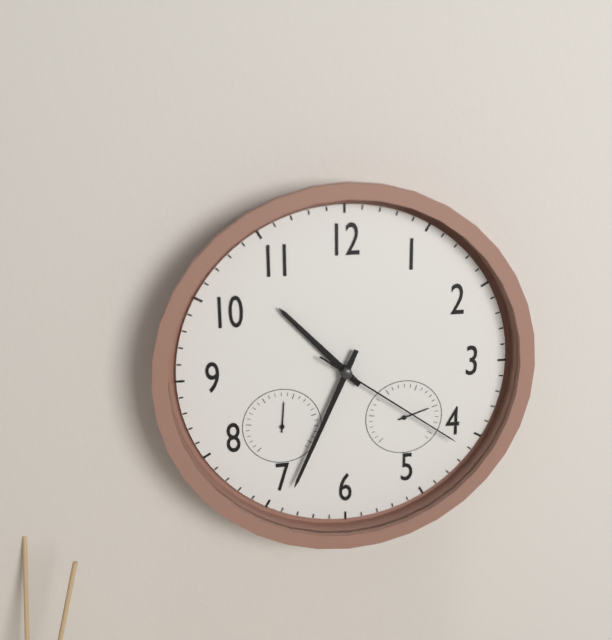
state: 10:34:21
